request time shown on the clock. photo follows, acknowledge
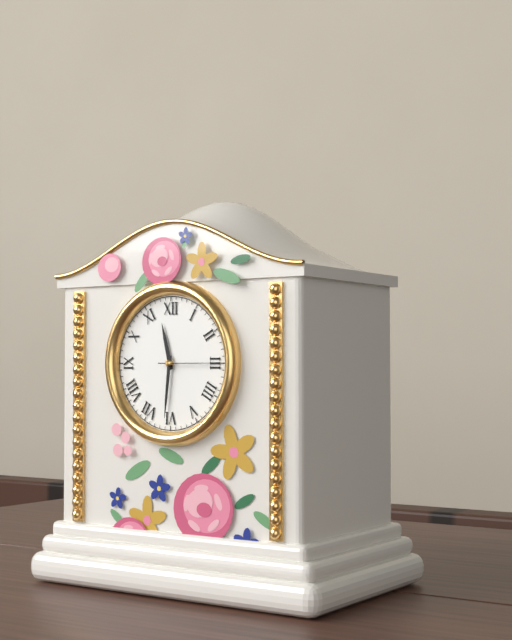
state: 11:31:15
